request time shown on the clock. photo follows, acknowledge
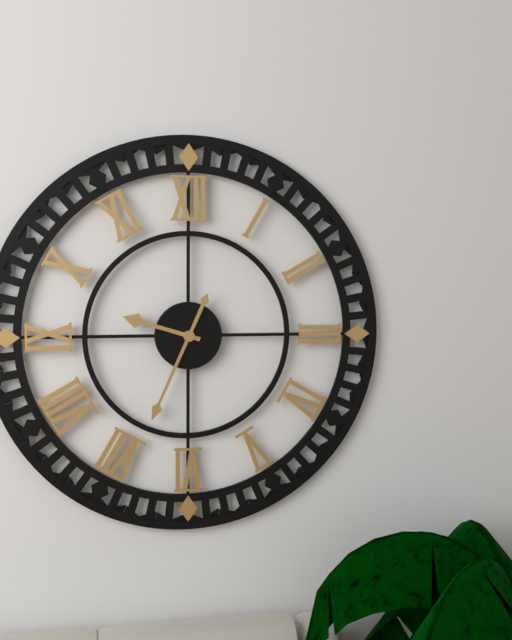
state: 9:34
